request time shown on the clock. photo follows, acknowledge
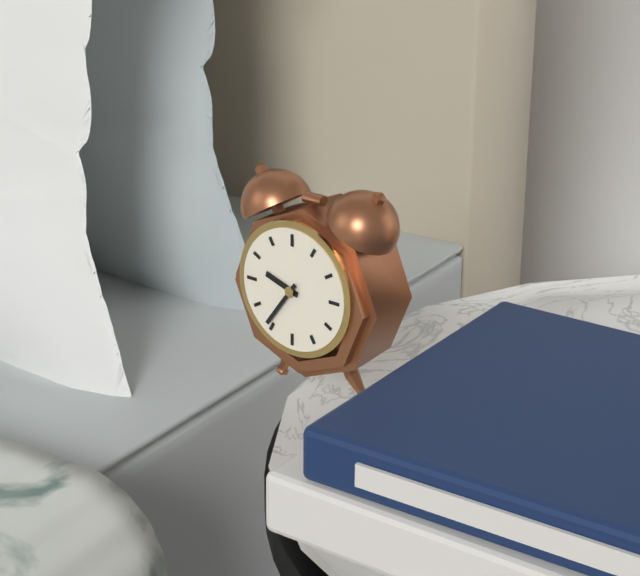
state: 9:36
